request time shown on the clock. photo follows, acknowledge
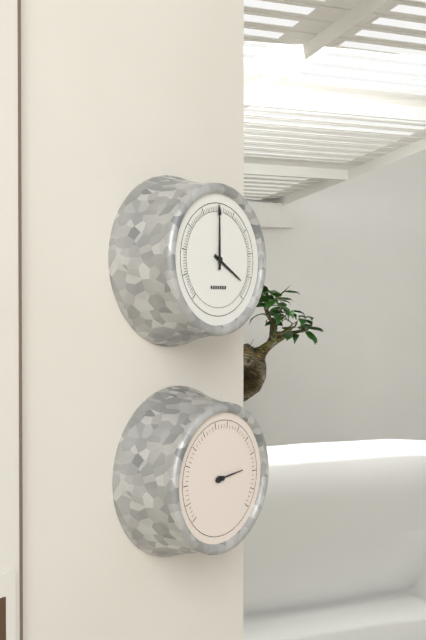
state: 4:00
